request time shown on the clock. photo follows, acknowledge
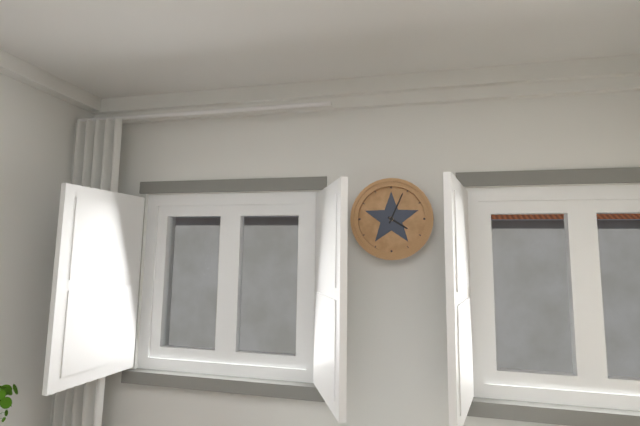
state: 4:04
